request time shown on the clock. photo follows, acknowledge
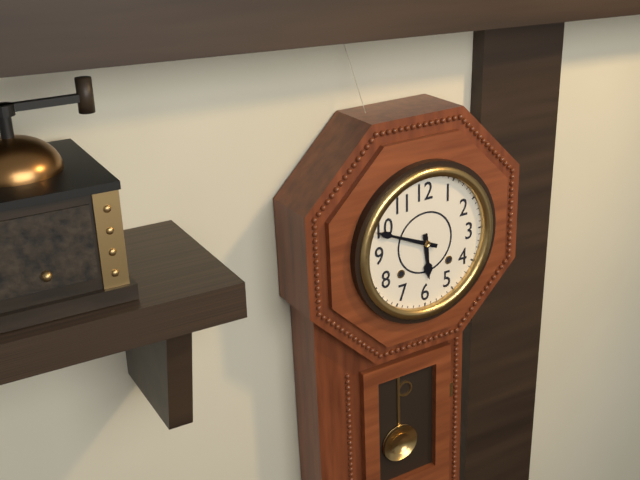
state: 5:49
